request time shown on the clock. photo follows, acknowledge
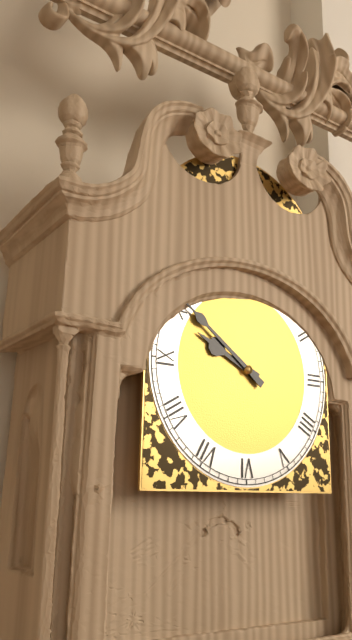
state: 9:51
